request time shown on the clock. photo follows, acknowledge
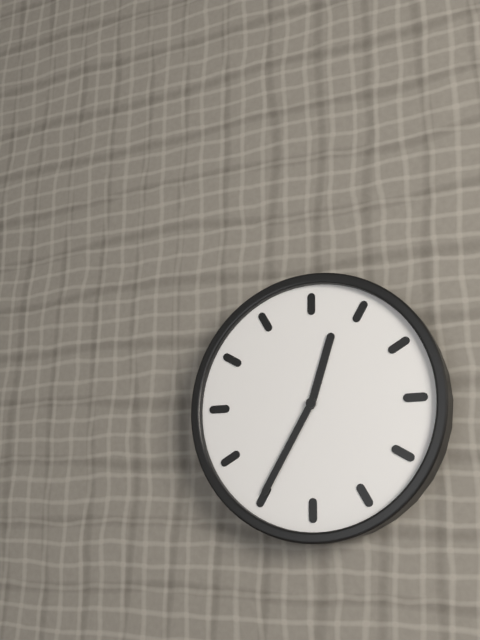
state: 12:35
